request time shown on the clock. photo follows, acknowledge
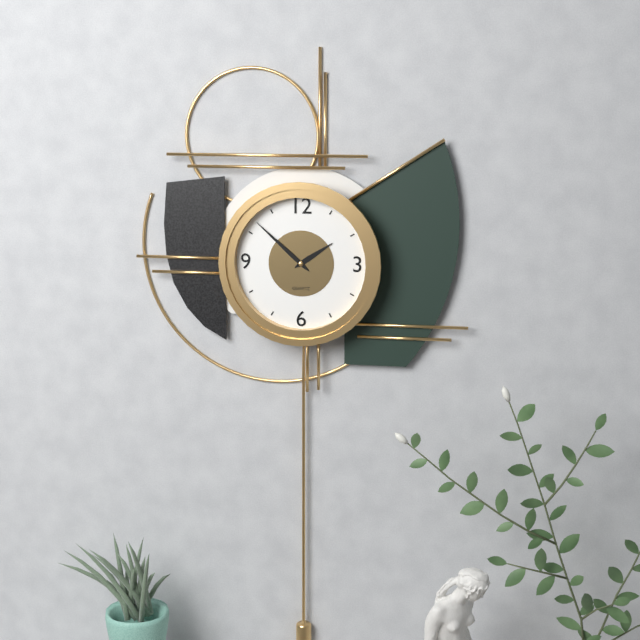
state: 1:52
